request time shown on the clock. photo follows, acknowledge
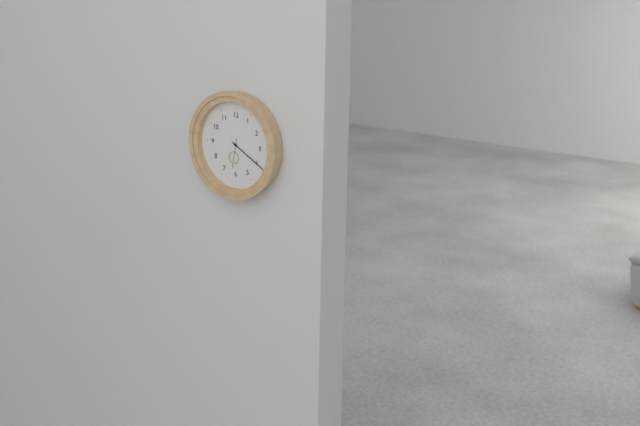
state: 6:20
